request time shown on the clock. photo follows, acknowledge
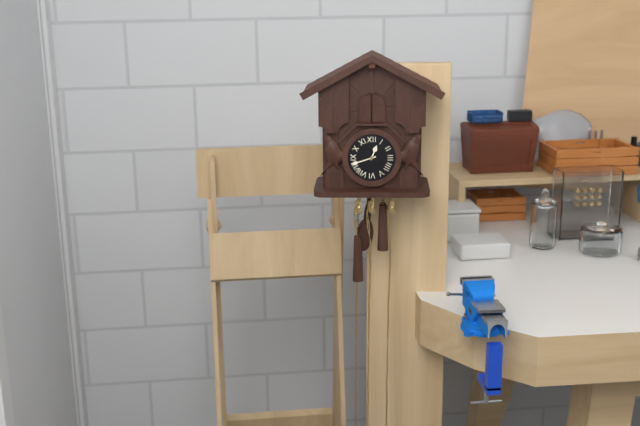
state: 12:42
